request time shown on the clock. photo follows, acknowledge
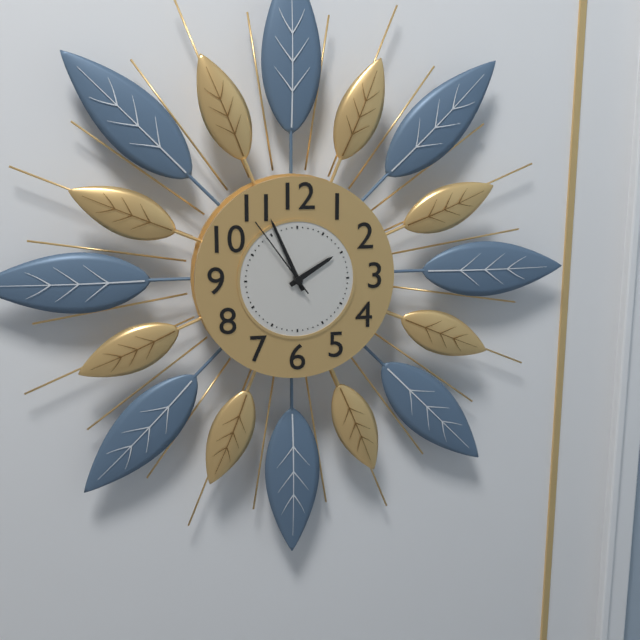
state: 1:56:54
